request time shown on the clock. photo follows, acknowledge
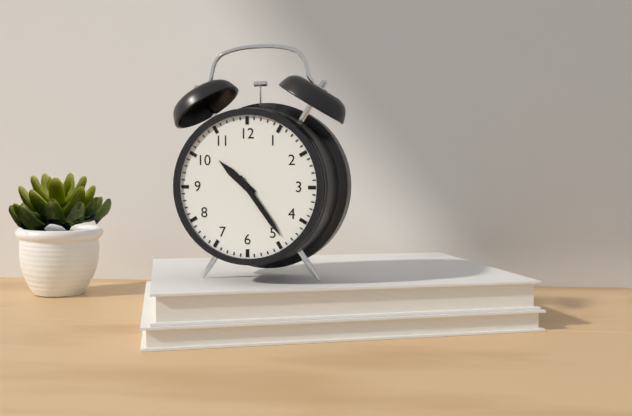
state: 10:24
